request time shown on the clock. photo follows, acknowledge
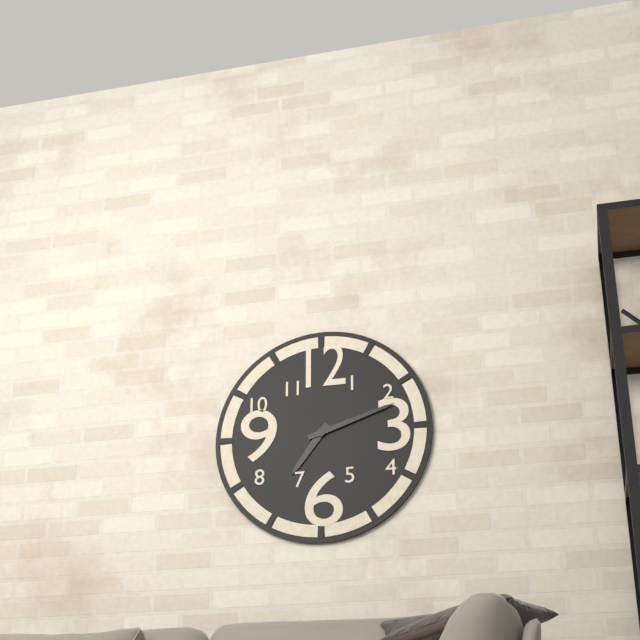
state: 7:12
